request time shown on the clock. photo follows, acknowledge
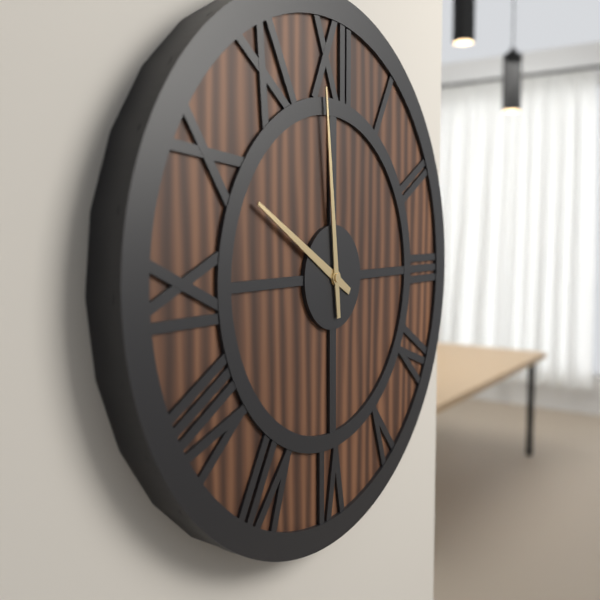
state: 9:59
